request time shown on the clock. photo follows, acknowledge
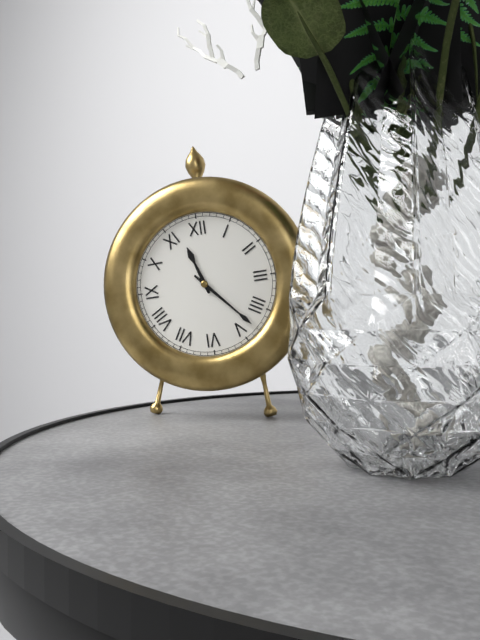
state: 11:23
